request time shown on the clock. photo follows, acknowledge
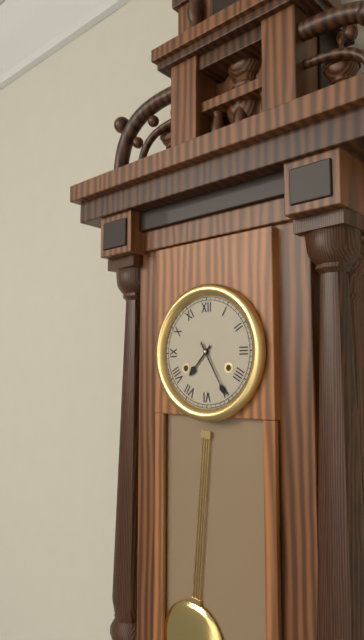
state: 7:25
